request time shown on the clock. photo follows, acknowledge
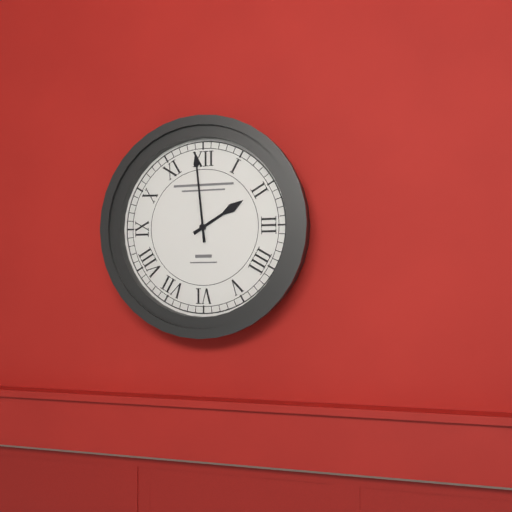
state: 1:59
